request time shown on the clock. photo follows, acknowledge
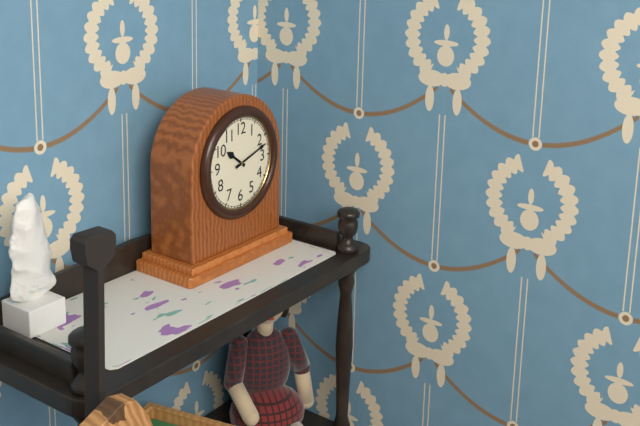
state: 10:12
